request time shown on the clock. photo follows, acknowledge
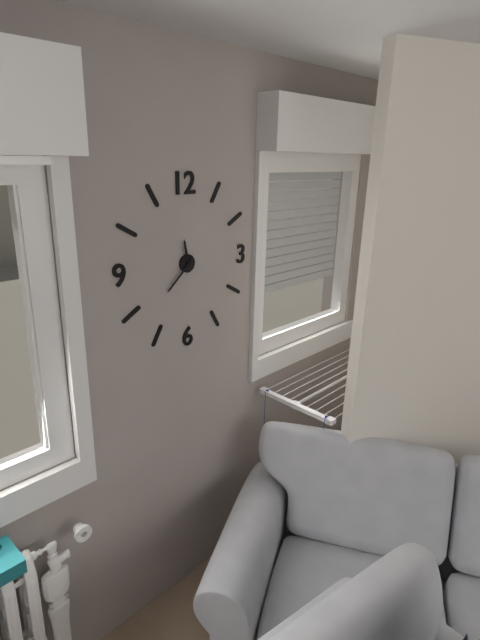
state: 11:38
